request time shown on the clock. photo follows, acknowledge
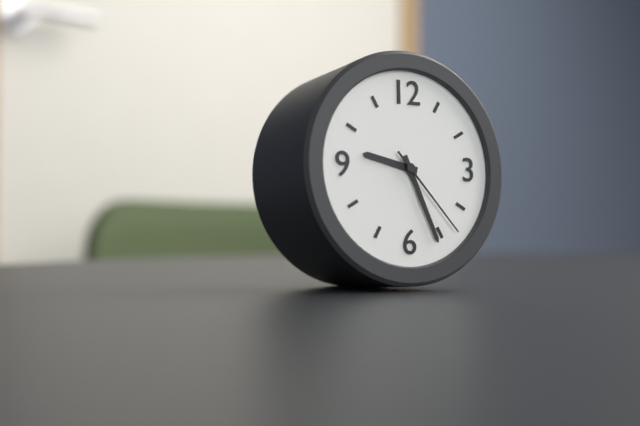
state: 9:26:23
